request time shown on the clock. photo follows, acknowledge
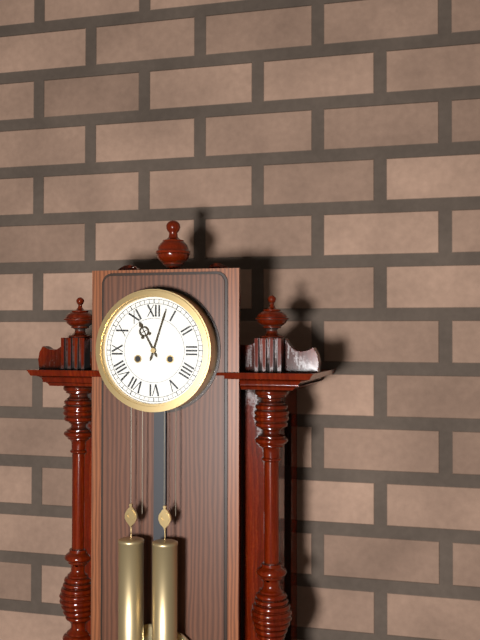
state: 11:03
